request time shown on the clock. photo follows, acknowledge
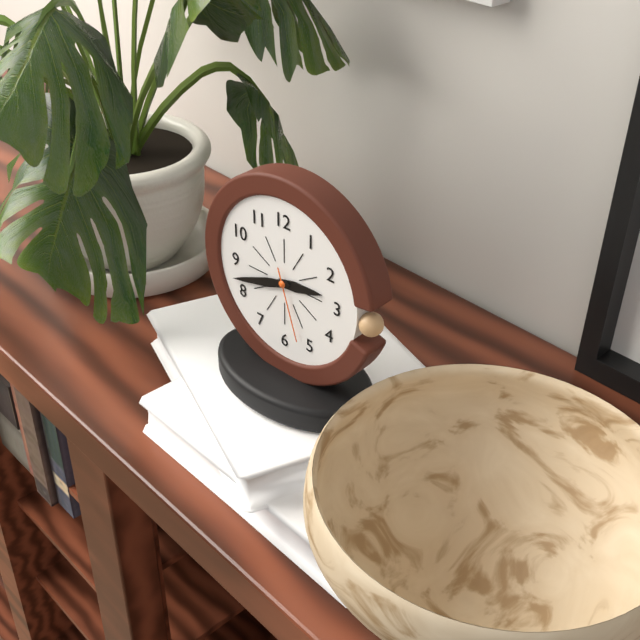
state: 2:42:27
